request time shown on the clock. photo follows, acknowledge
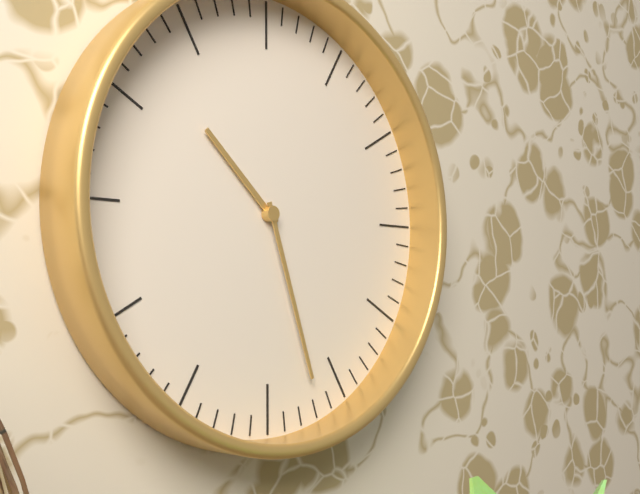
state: 10:27
